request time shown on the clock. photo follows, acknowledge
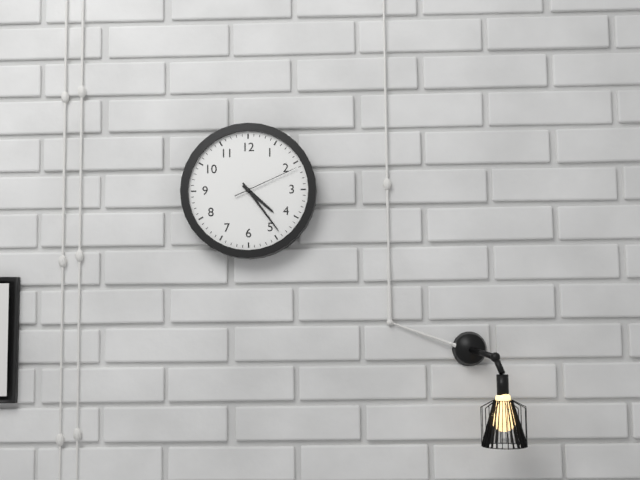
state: 4:24:11
